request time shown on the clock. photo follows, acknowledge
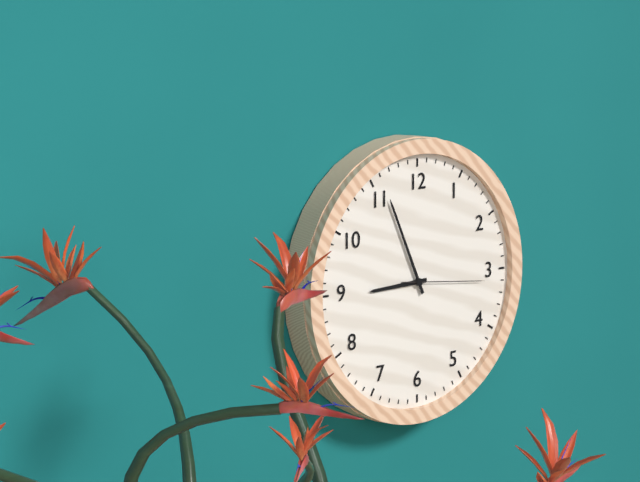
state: 8:56:16
